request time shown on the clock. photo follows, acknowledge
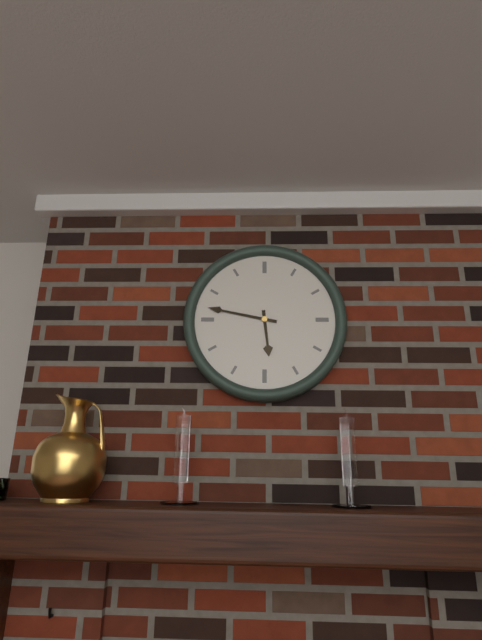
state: 5:47
